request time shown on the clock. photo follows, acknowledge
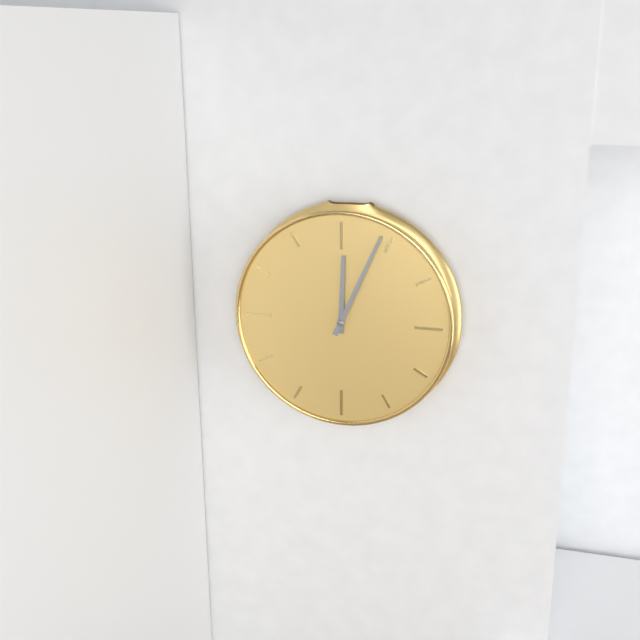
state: 12:04
